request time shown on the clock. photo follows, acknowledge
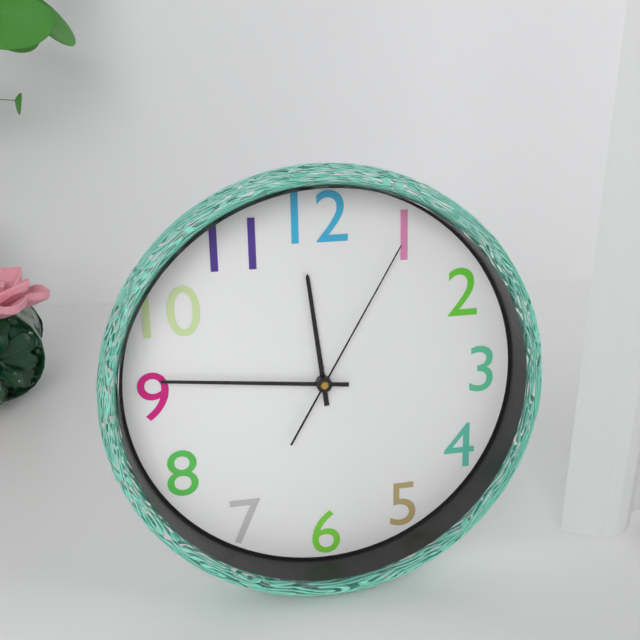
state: 11:46:05
